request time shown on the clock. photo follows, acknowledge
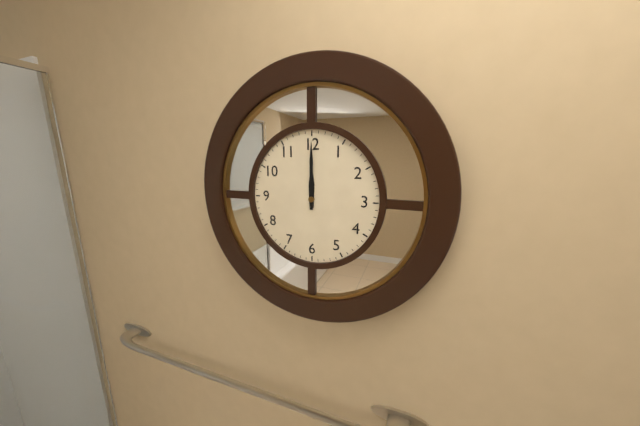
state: 12:00
